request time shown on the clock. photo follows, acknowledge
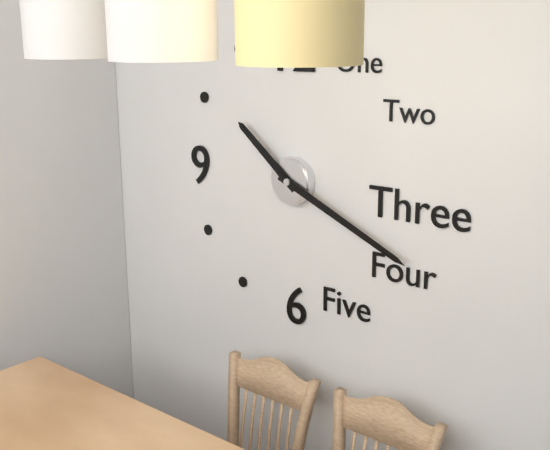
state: 10:19
